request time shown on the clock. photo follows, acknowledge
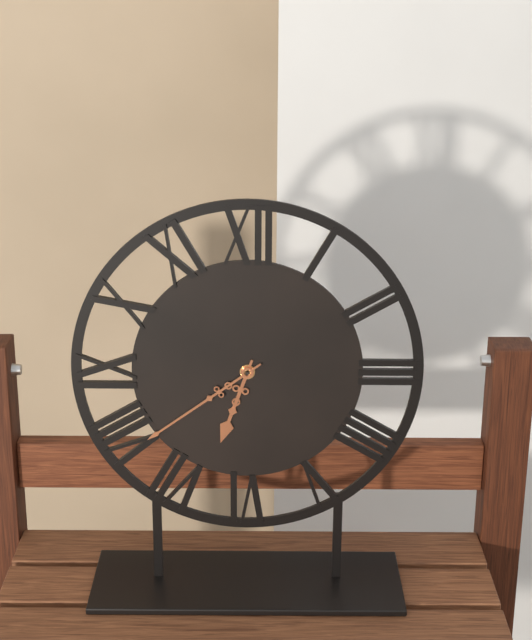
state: 6:39
